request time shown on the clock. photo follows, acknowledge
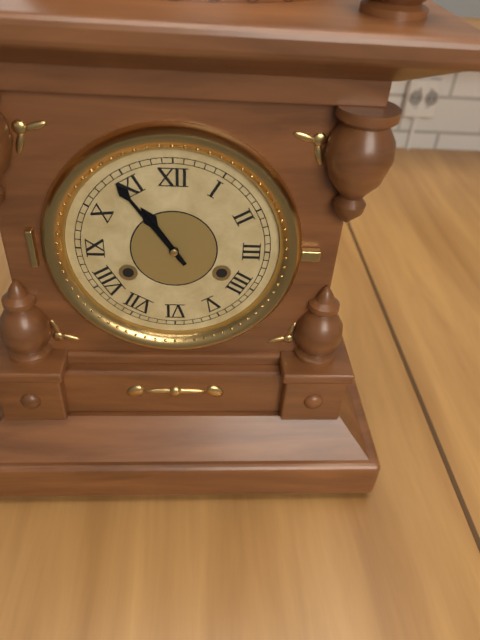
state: 10:54
